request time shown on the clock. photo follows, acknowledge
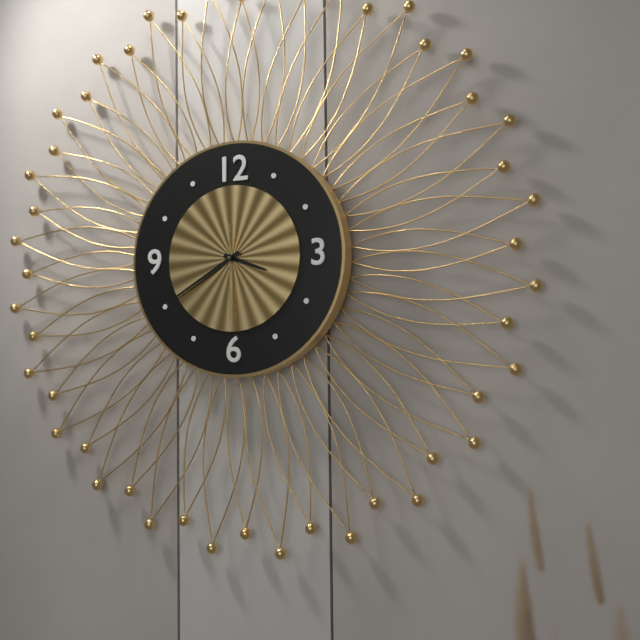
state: 3:40:30
